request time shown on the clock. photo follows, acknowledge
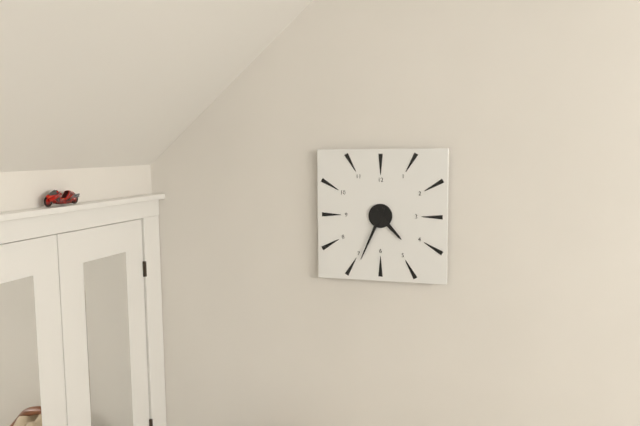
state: 4:34
